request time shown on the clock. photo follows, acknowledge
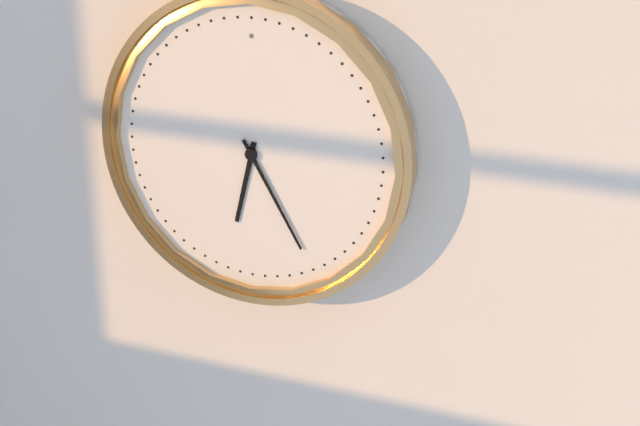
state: 6:25
